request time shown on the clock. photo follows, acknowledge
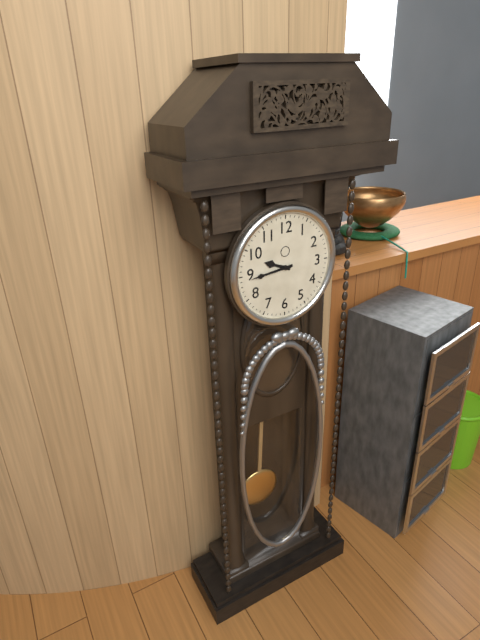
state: 9:44
